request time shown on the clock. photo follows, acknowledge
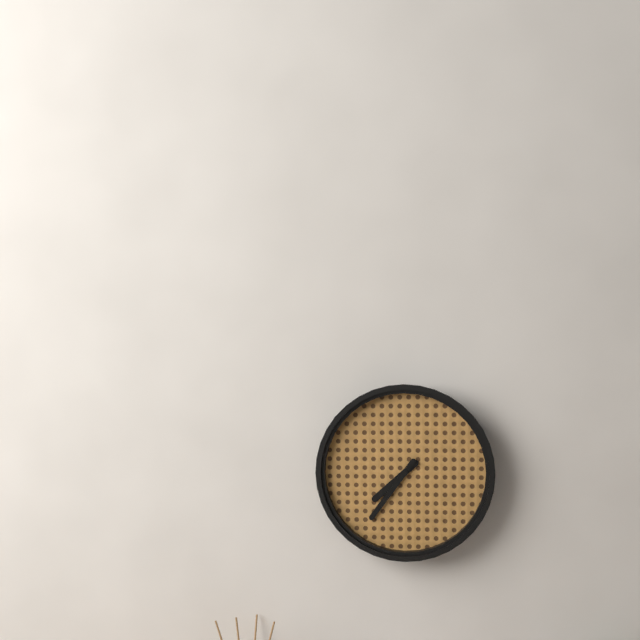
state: 7:36
